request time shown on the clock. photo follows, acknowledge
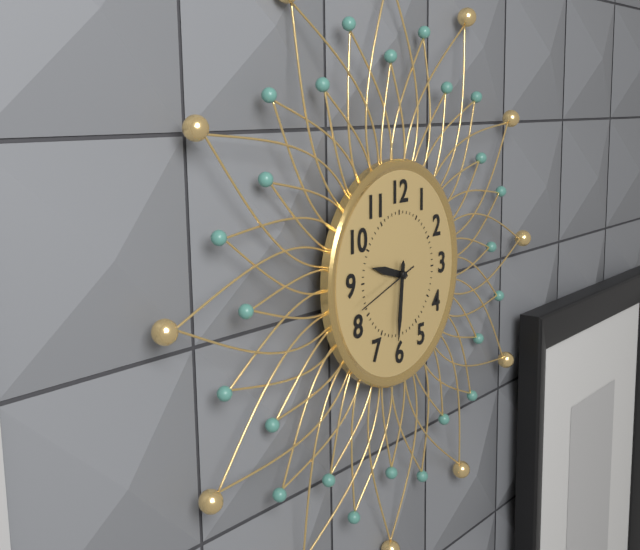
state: 9:31:42
